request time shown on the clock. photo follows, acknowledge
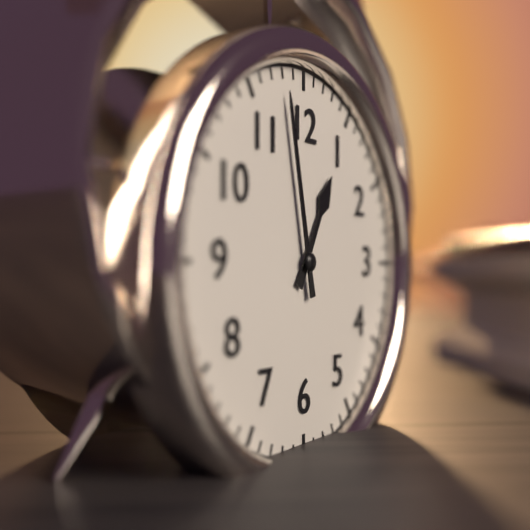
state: 12:58
